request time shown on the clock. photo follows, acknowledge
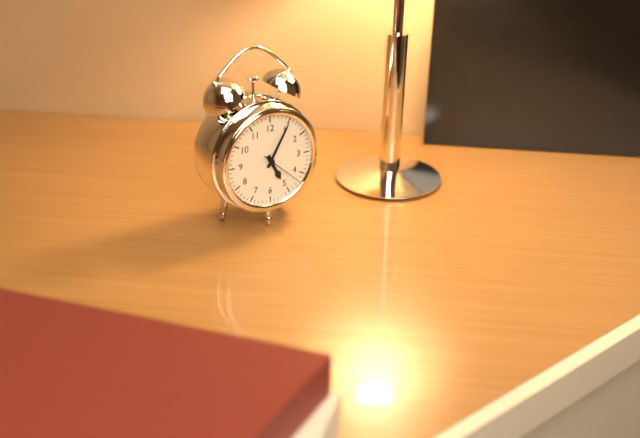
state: 5:05
